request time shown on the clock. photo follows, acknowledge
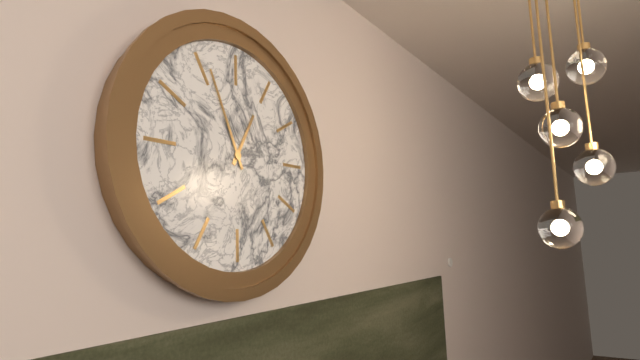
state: 12:56
